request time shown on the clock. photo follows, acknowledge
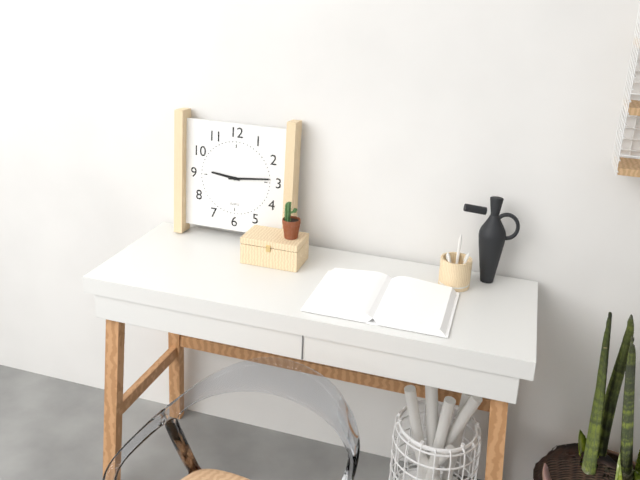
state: 9:14
